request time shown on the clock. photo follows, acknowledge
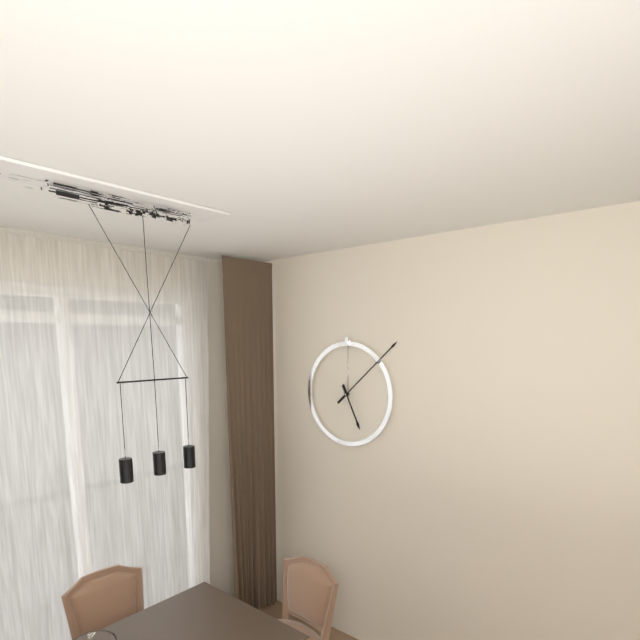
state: 5:08
